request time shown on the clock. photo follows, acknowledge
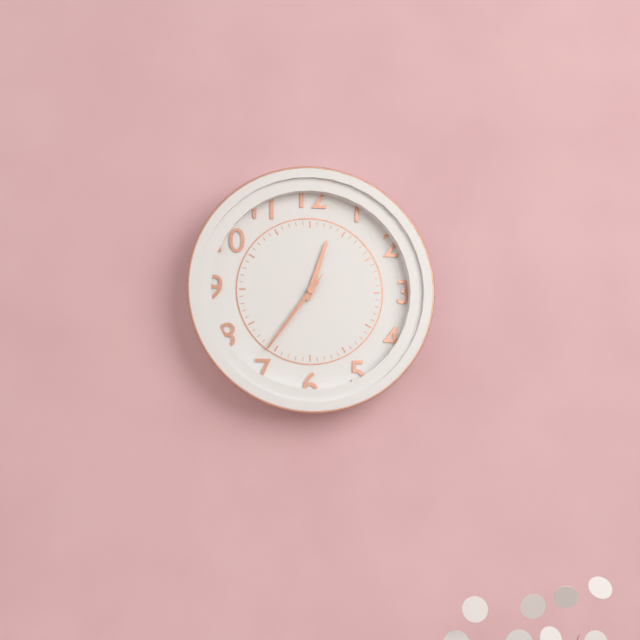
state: 12:36:36
